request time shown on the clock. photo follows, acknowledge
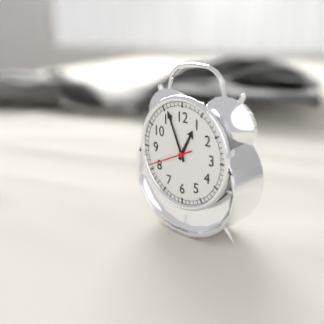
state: 12:56
